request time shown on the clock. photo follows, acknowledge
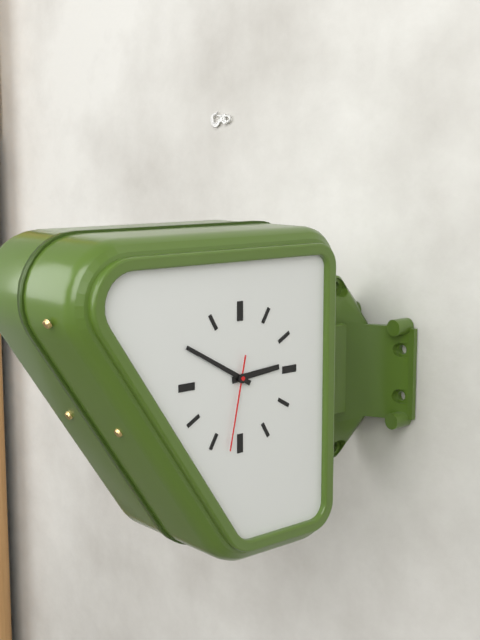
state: 2:50:32
